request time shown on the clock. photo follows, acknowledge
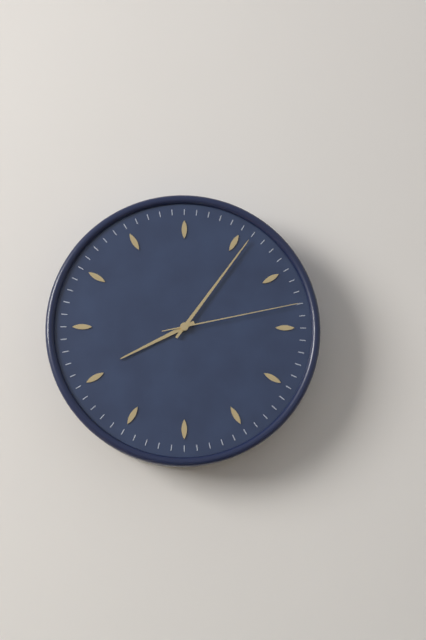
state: 8:06:13
